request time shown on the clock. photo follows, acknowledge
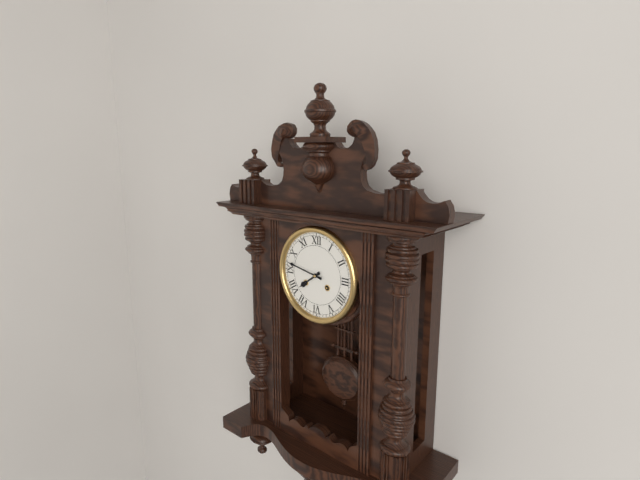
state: 7:47
